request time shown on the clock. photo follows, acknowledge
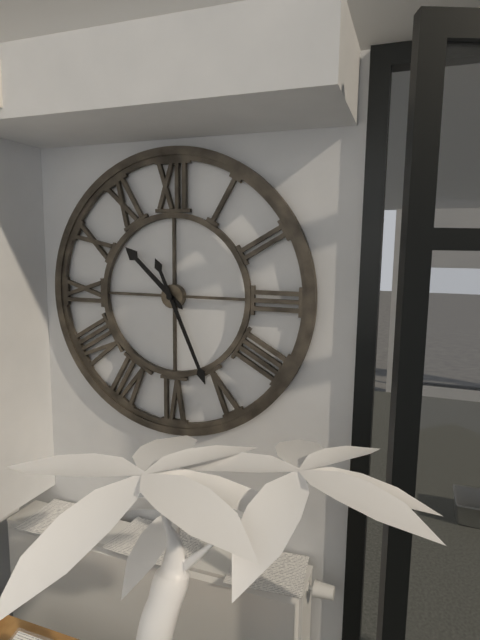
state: 10:26
